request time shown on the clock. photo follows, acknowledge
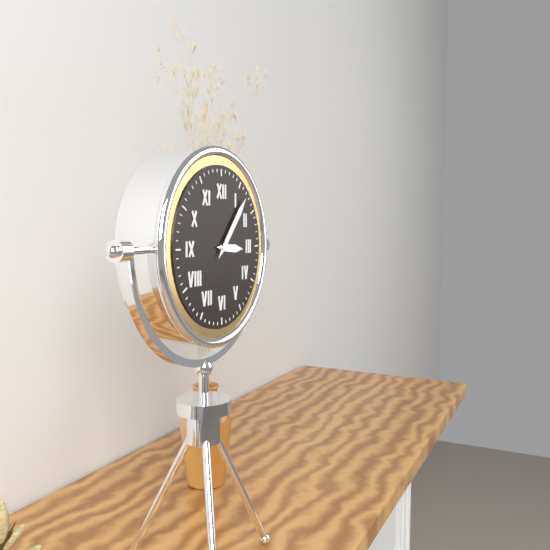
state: 3:07
